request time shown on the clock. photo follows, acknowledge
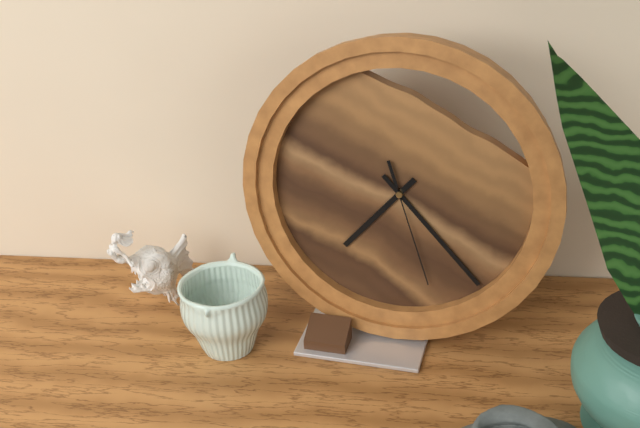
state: 7:23:27
